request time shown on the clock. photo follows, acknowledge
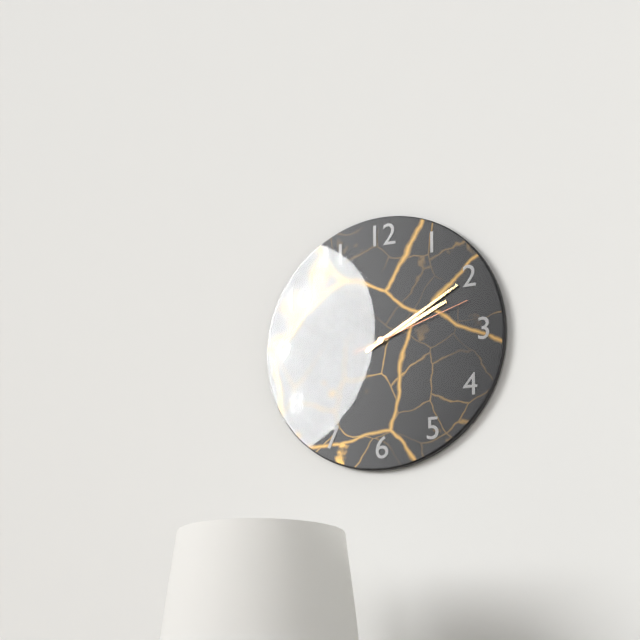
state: 2:10:12
